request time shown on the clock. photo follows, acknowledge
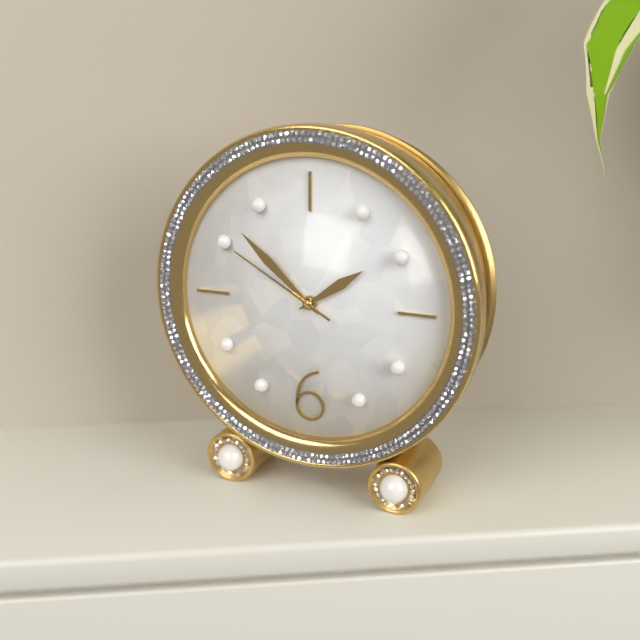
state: 1:52:50
